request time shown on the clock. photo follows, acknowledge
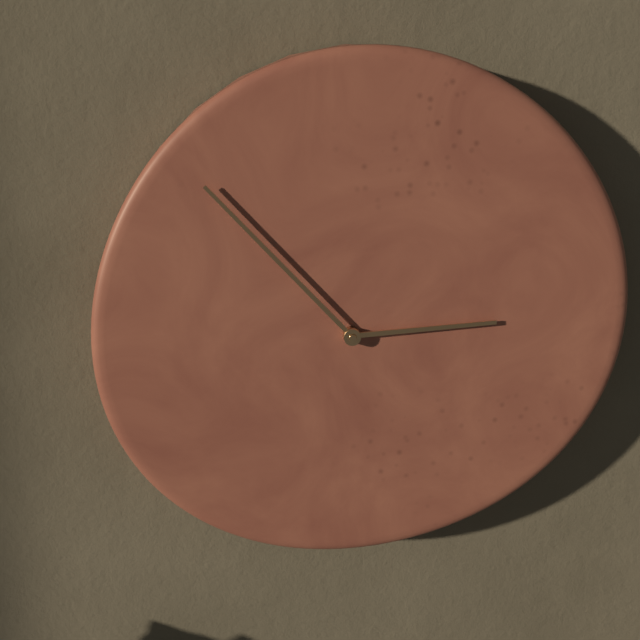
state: 2:53
